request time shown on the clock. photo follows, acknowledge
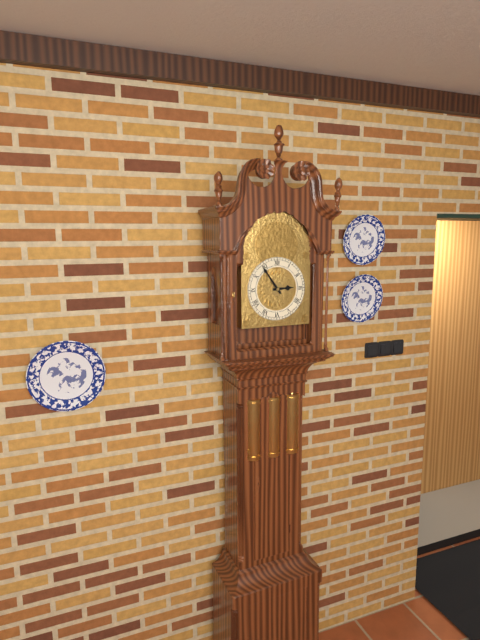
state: 2:54
